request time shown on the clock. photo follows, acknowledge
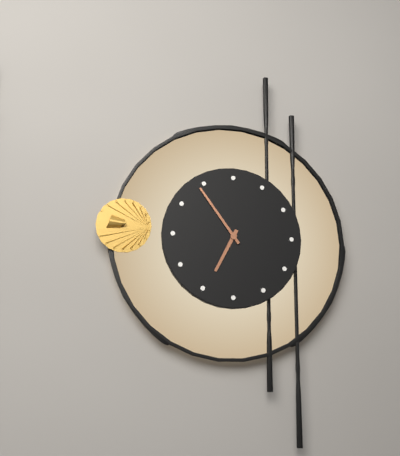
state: 6:54
